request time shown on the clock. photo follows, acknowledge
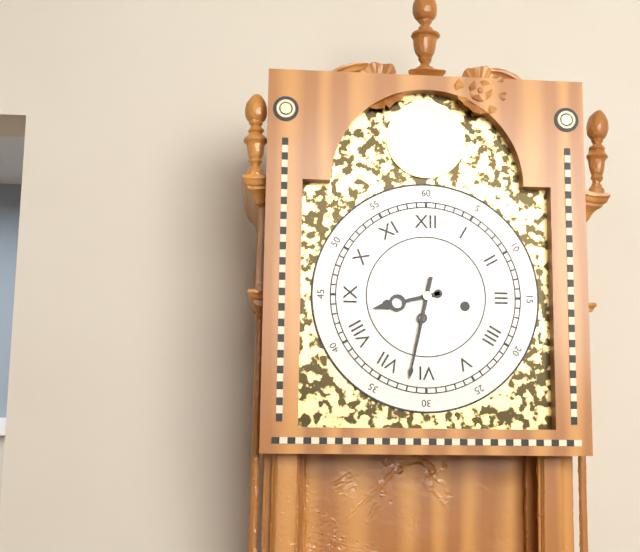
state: 8:32
